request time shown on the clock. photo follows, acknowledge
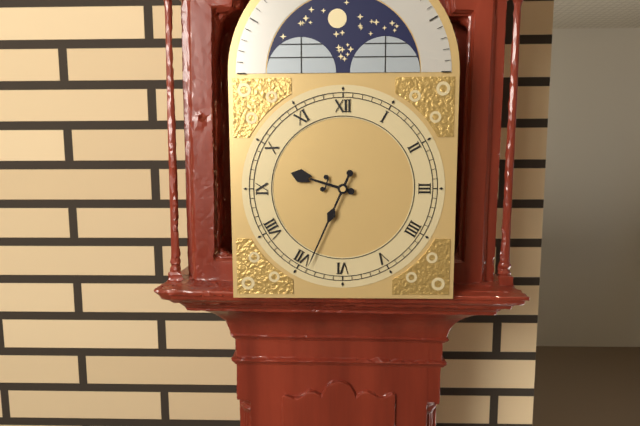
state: 9:34
